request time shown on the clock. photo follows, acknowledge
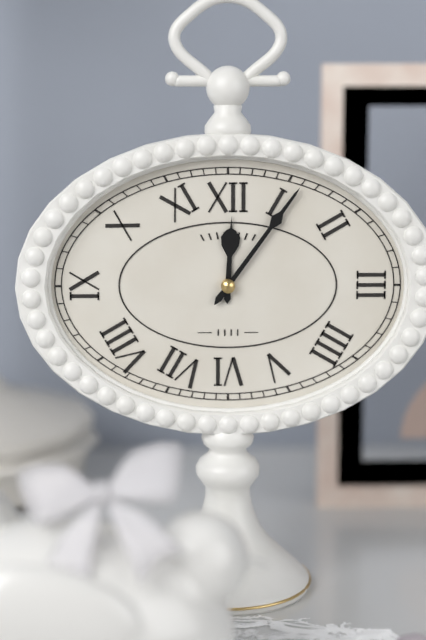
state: 12:06
